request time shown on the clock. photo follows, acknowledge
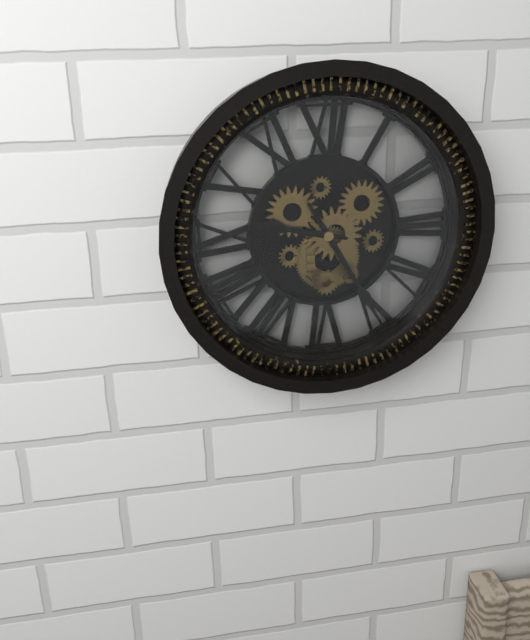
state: 9:25
